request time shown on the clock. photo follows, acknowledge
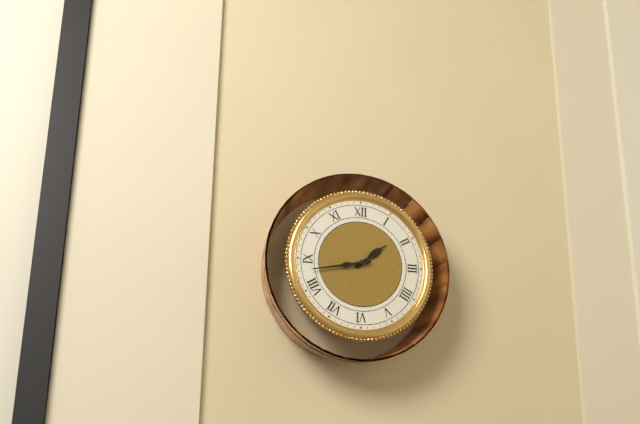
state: 1:43
